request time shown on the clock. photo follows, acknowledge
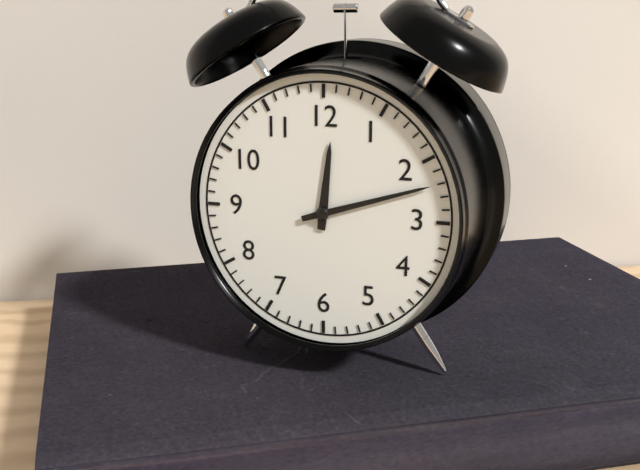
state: 12:12
